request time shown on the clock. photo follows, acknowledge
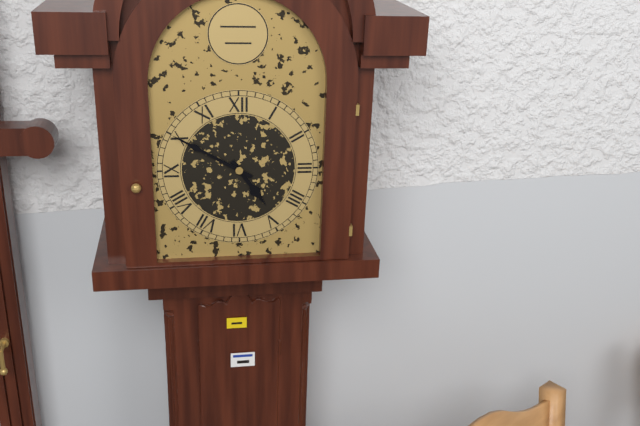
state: 4:50
